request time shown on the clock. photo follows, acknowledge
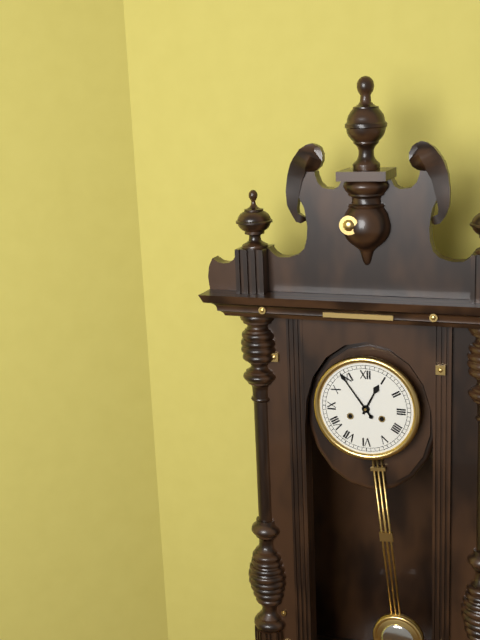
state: 12:54
